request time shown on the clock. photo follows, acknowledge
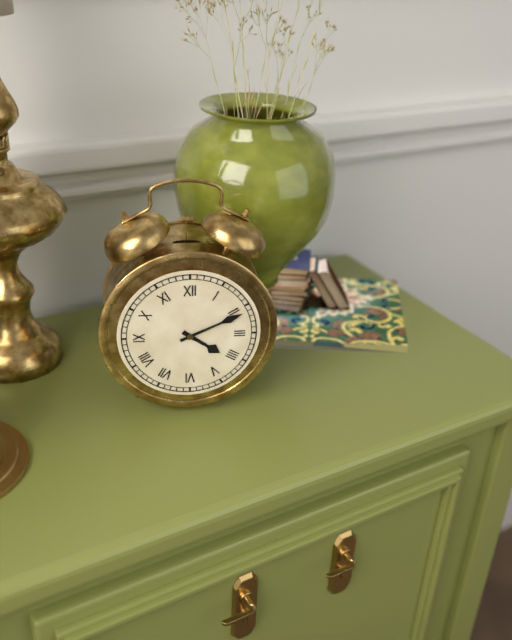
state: 4:11
